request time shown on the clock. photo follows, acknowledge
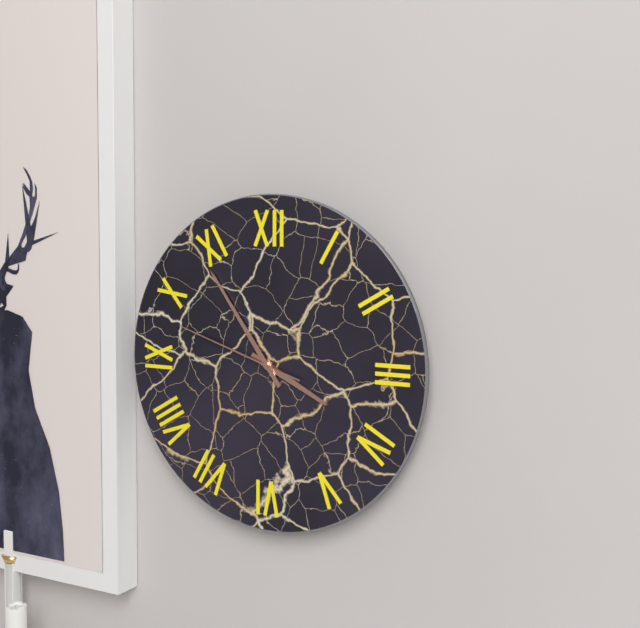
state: 3:54:48
